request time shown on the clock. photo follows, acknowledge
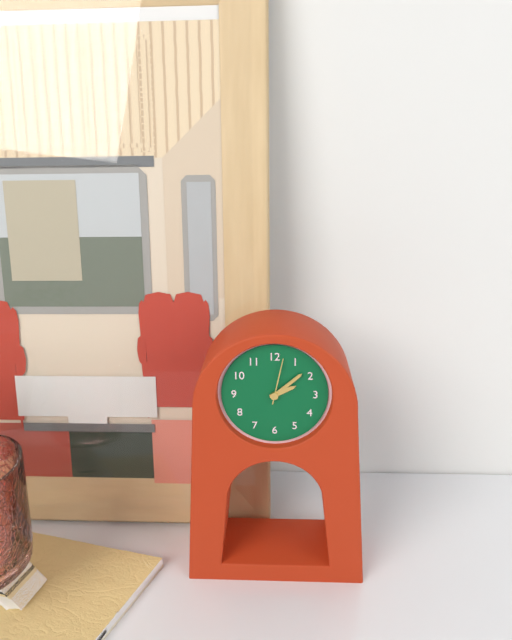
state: 2:08:02
